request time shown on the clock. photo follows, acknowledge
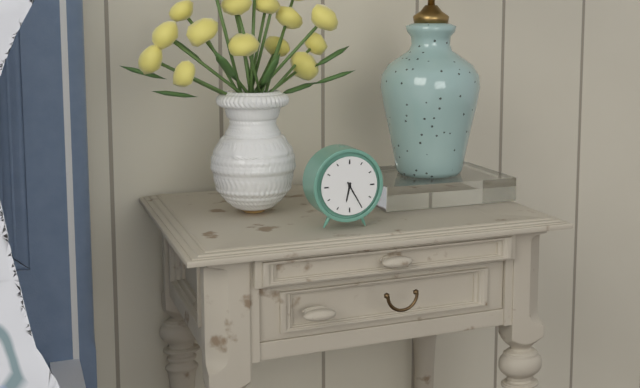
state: 6:25
